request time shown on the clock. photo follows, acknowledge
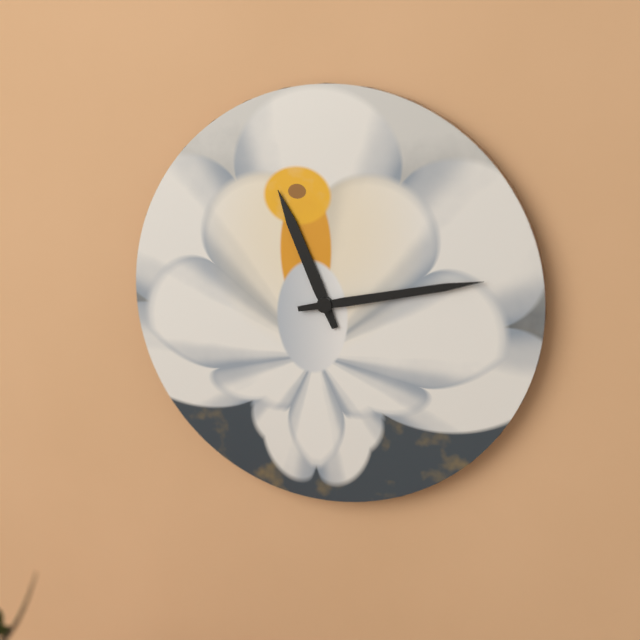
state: 11:13
